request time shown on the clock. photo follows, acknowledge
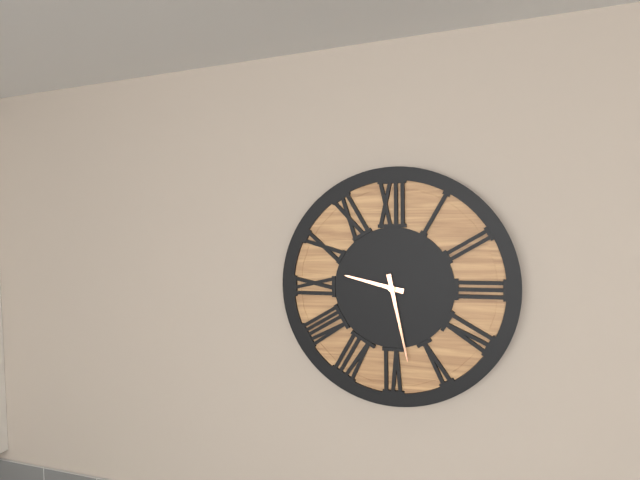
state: 9:28
